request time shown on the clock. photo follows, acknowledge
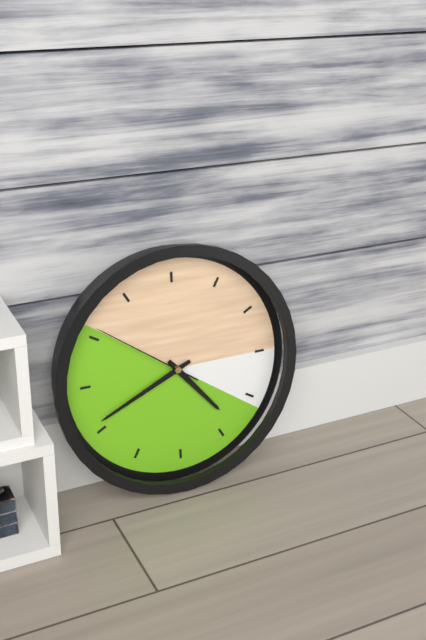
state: 4:41:51
